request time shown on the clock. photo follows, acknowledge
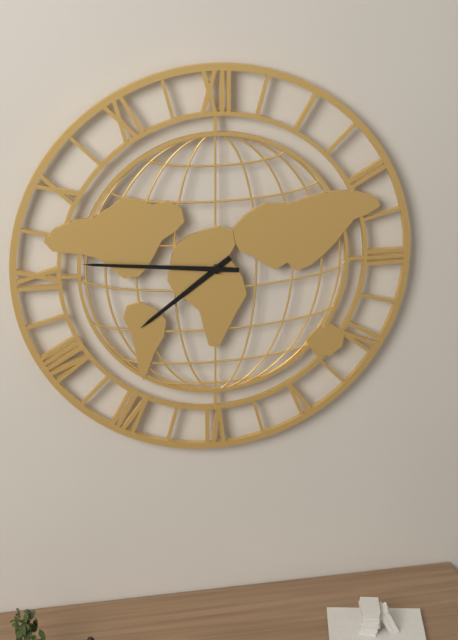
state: 7:46
